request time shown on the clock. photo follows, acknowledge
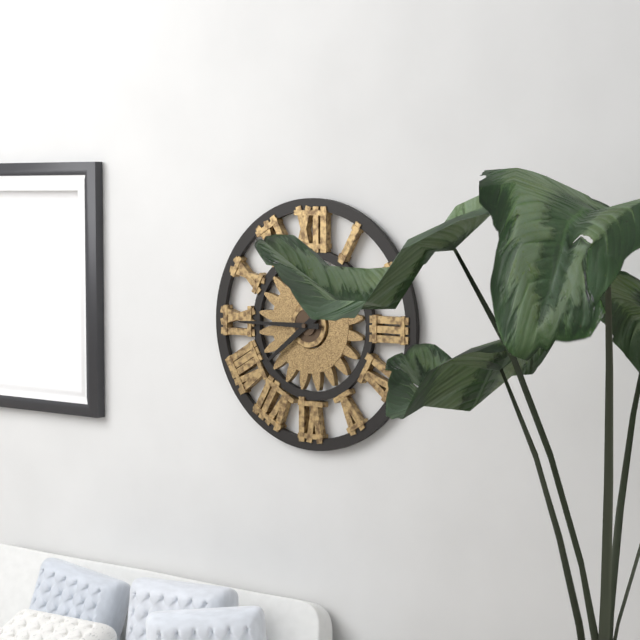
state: 7:45
